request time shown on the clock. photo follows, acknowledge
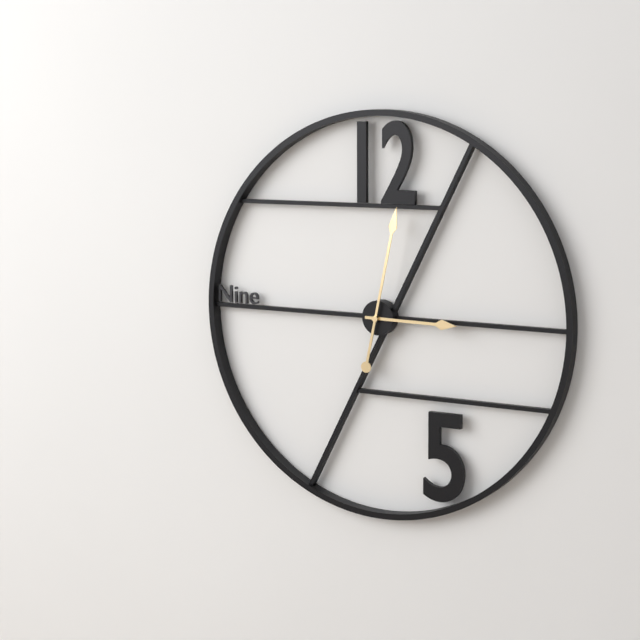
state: 3:02
